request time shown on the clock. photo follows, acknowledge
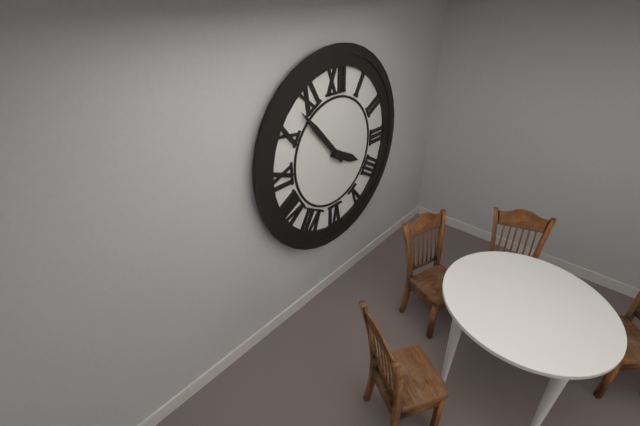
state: 3:53
